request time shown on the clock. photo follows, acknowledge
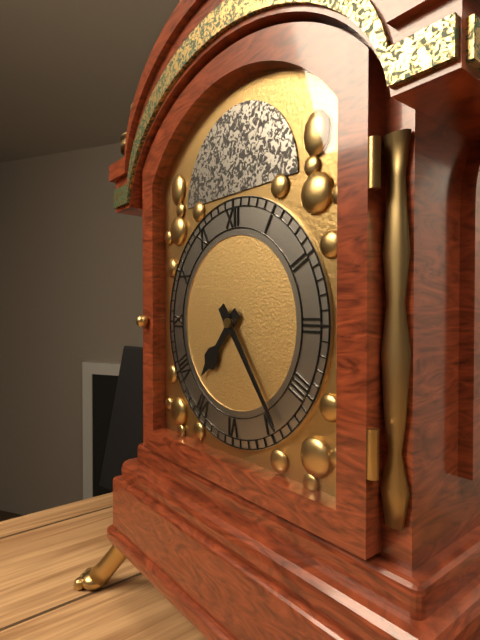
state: 7:24
